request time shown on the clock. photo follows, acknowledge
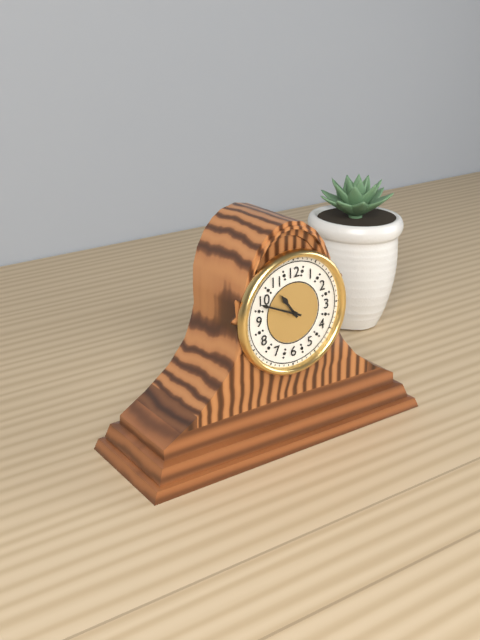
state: 10:49
